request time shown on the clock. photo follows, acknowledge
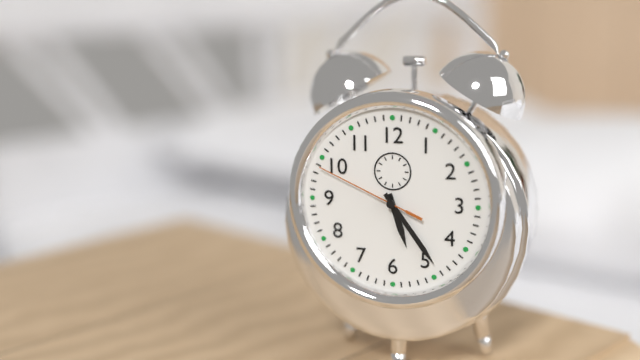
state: 5:24:49
